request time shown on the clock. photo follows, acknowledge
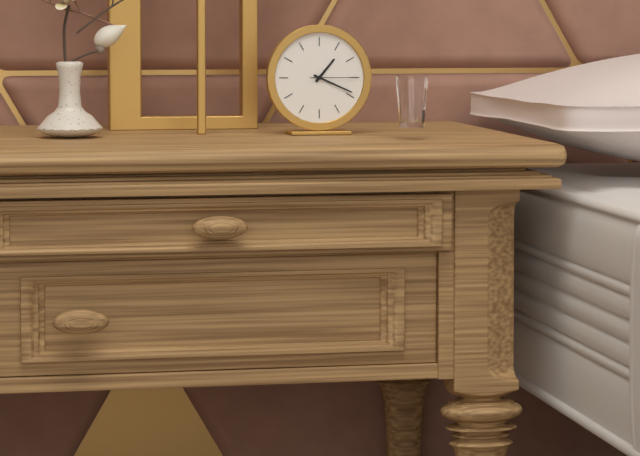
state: 1:19
